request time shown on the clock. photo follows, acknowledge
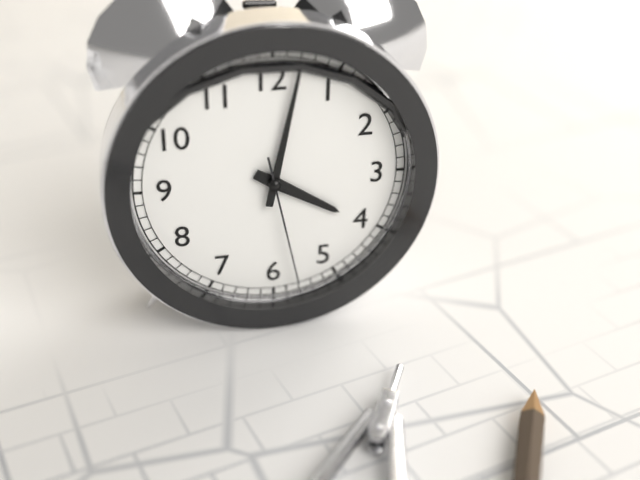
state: 4:02:28
